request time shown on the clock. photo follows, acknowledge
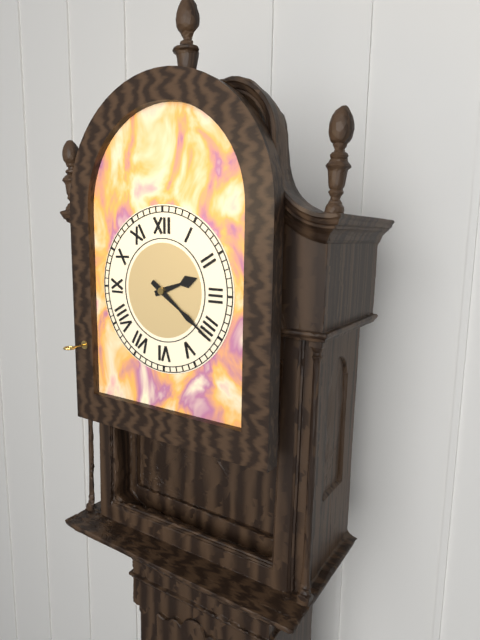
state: 2:21
